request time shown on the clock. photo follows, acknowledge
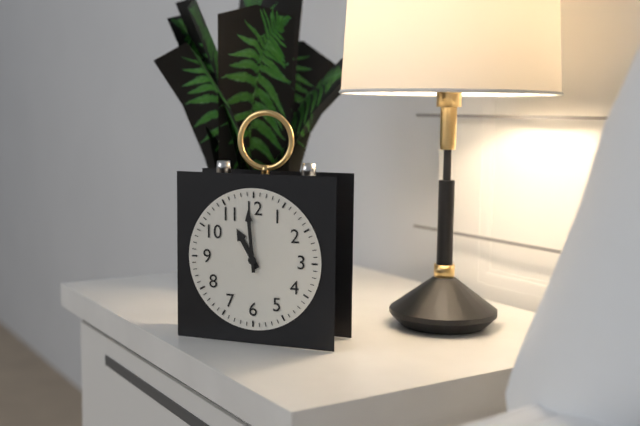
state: 10:59
